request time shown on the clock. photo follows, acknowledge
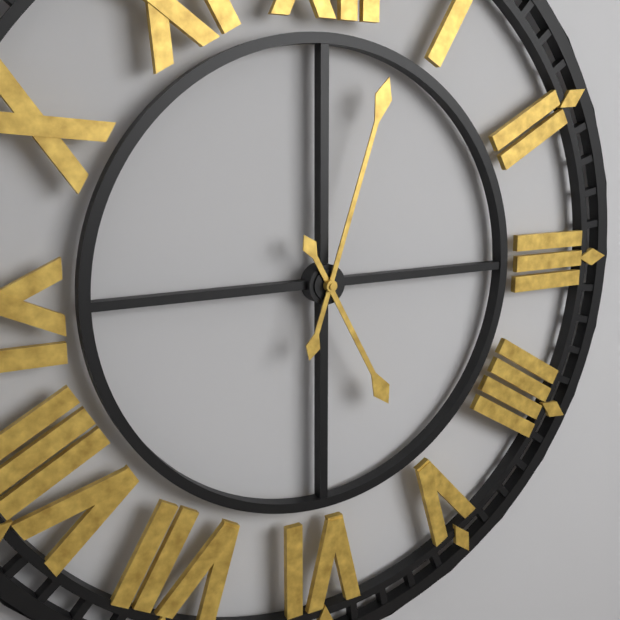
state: 5:03
